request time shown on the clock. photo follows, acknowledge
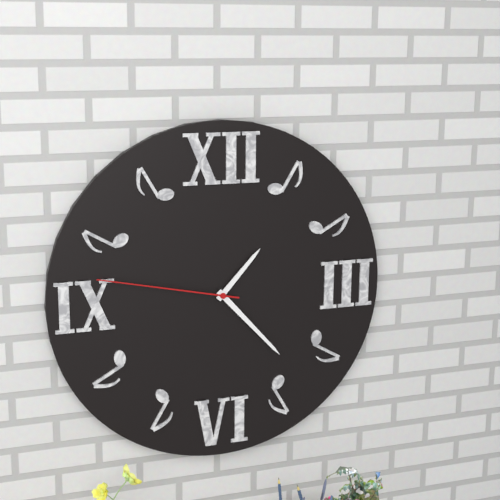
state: 1:23:47
